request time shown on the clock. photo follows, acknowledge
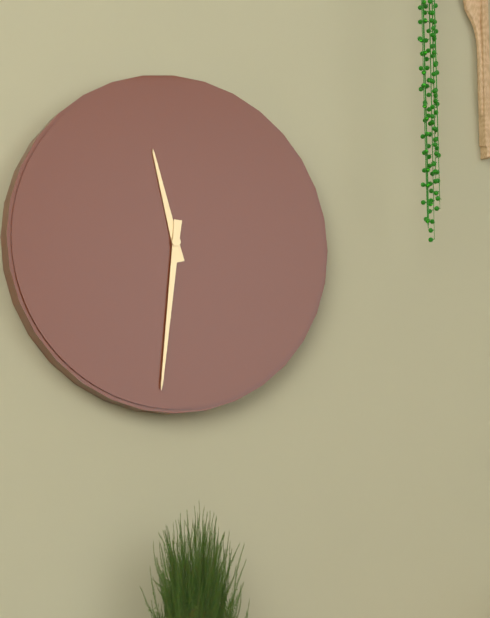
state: 11:31
